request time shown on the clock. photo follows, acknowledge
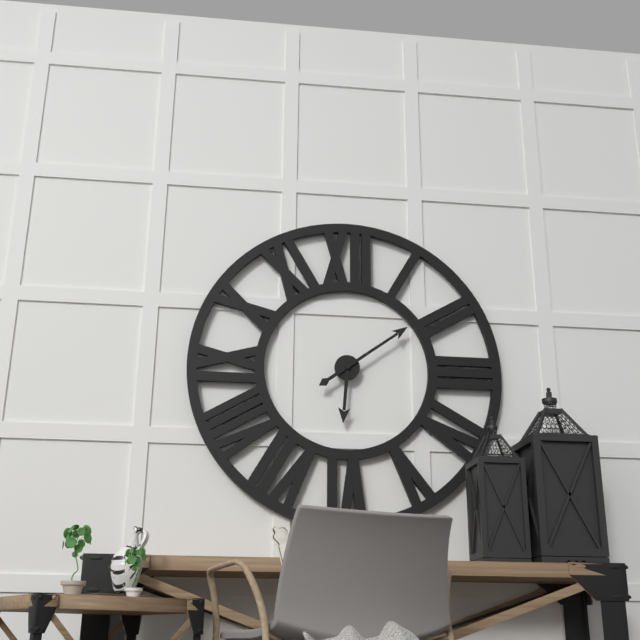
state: 6:09
